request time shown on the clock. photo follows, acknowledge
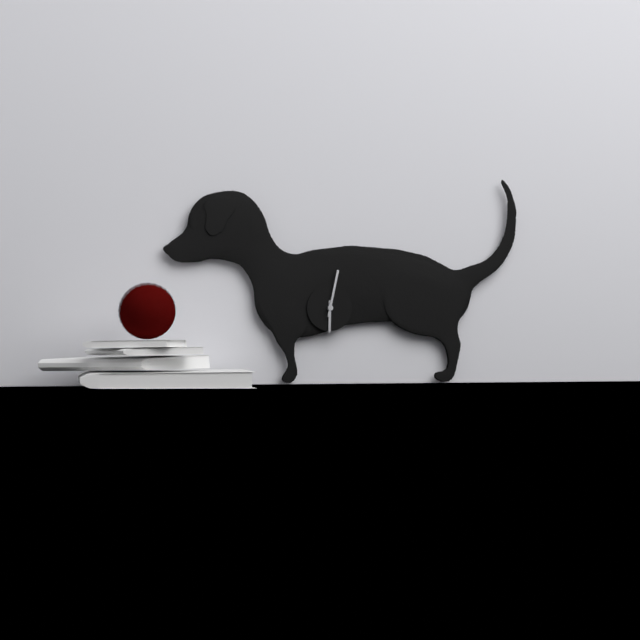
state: 6:02
